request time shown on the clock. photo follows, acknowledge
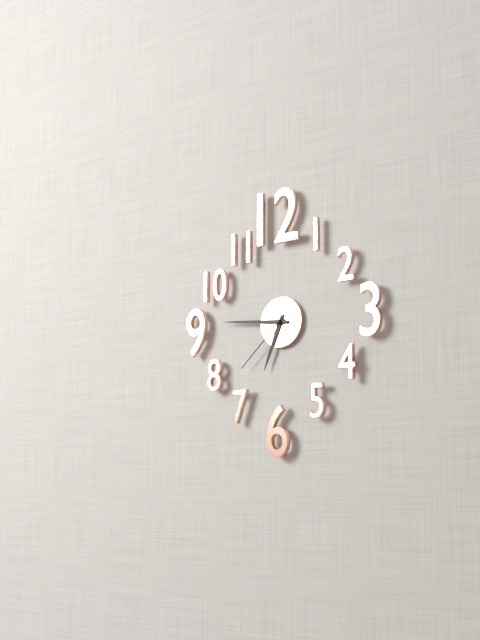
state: 6:46:38
